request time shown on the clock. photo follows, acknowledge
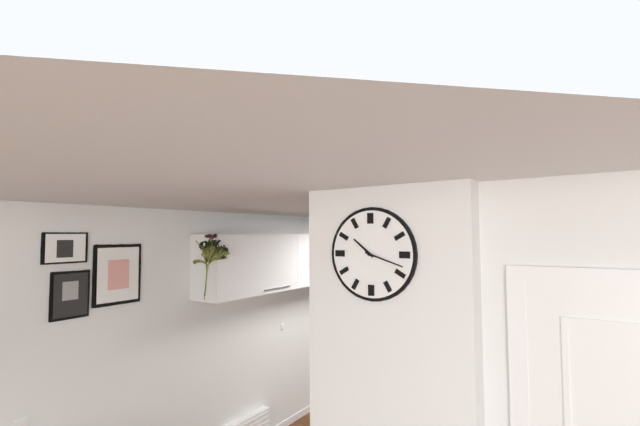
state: 10:18
